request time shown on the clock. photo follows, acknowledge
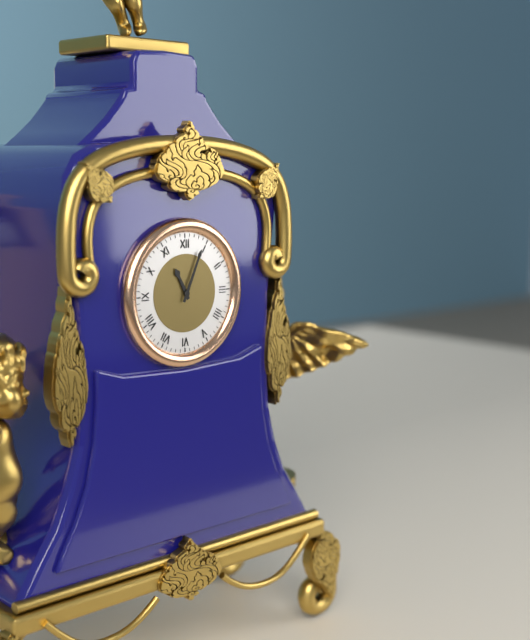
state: 11:04
